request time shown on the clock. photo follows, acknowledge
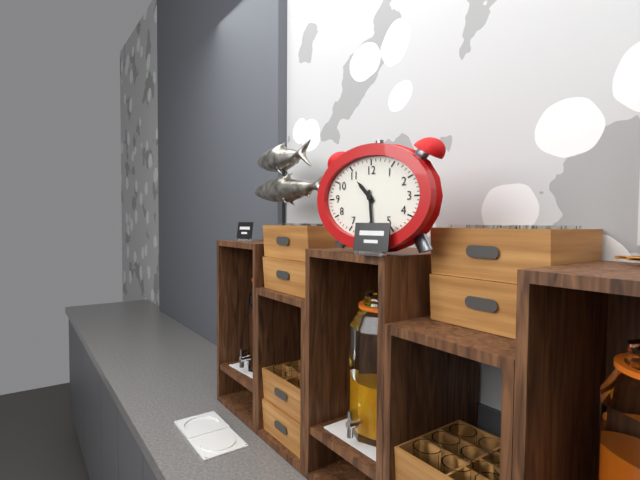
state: 10:29
